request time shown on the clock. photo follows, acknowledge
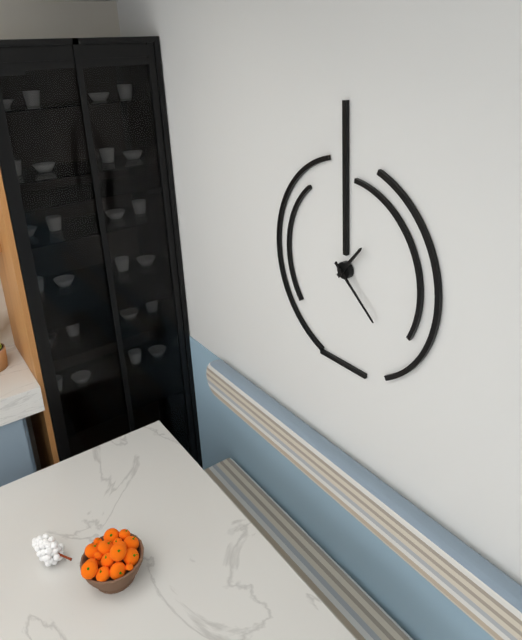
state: 1:22
